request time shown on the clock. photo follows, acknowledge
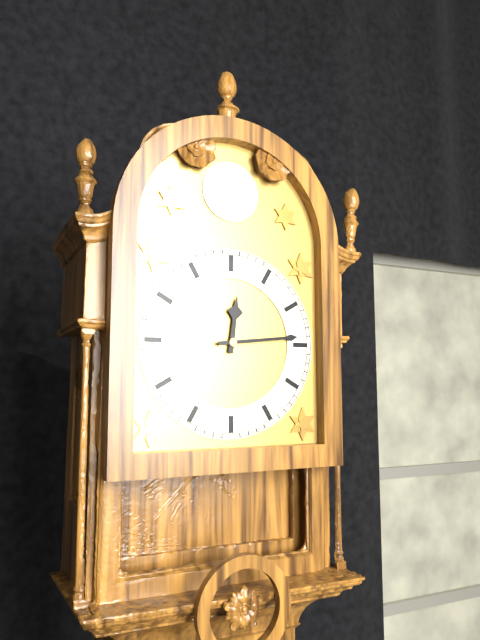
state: 12:14
